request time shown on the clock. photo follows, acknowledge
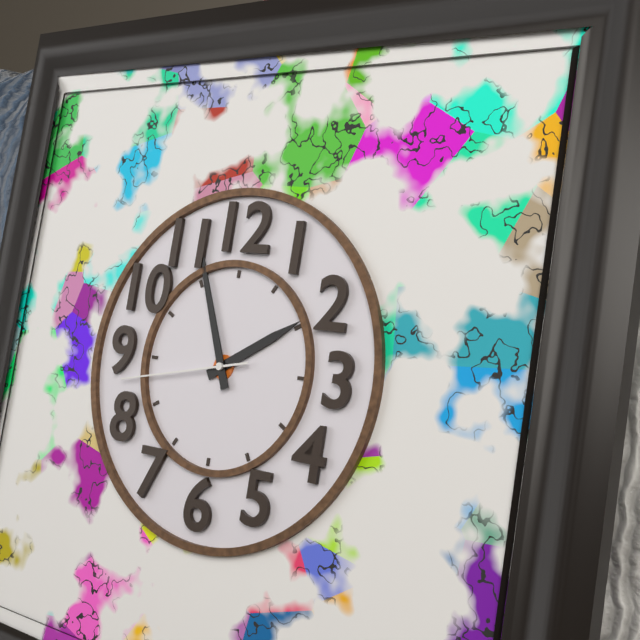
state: 1:56:43
